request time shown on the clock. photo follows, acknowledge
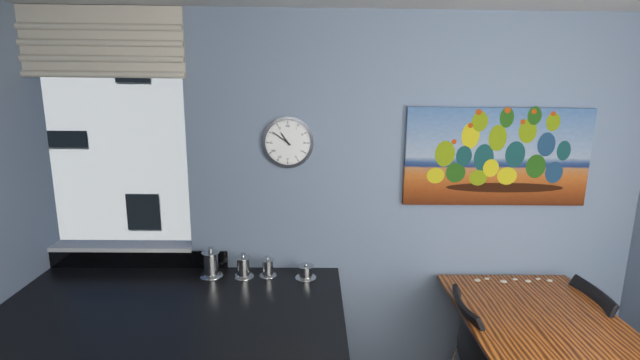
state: 10:51
